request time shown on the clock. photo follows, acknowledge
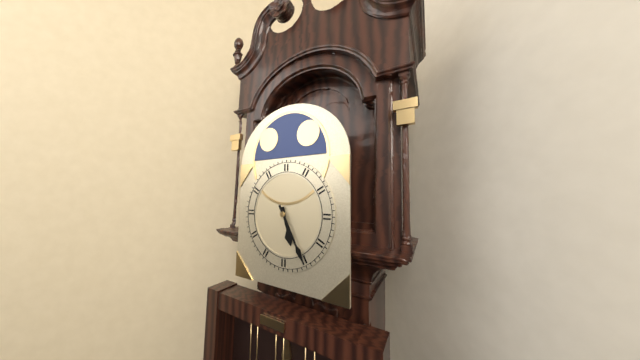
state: 5:25
